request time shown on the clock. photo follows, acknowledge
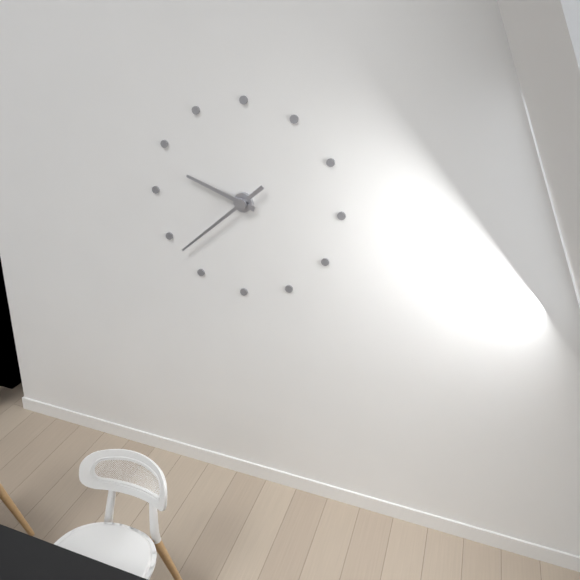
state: 9:38
